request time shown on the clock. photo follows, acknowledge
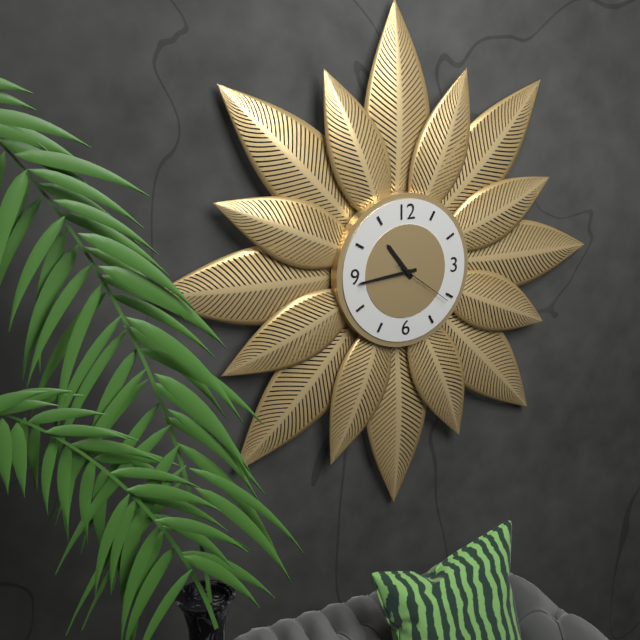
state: 10:44:21
